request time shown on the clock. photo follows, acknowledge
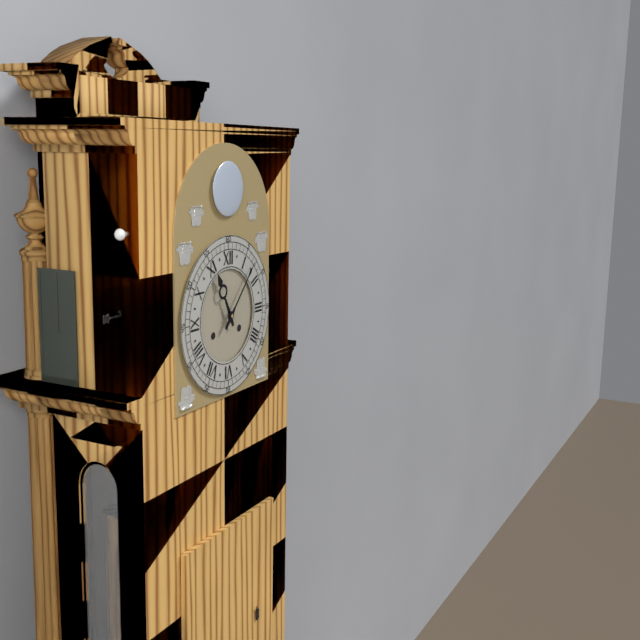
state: 11:07
